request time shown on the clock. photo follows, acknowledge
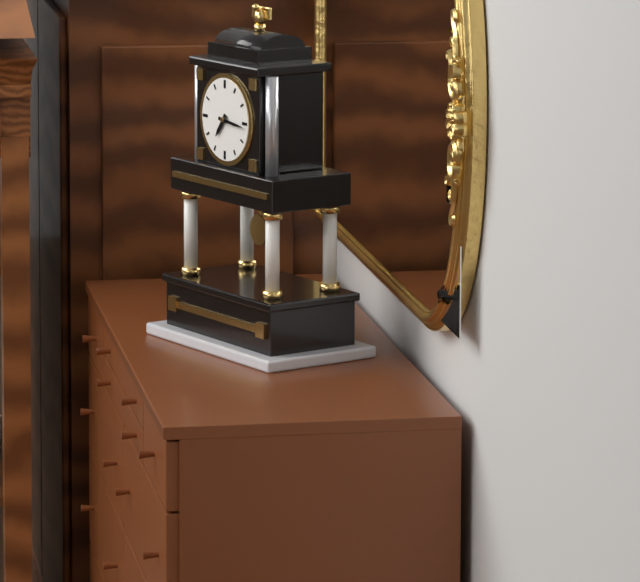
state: 7:16
